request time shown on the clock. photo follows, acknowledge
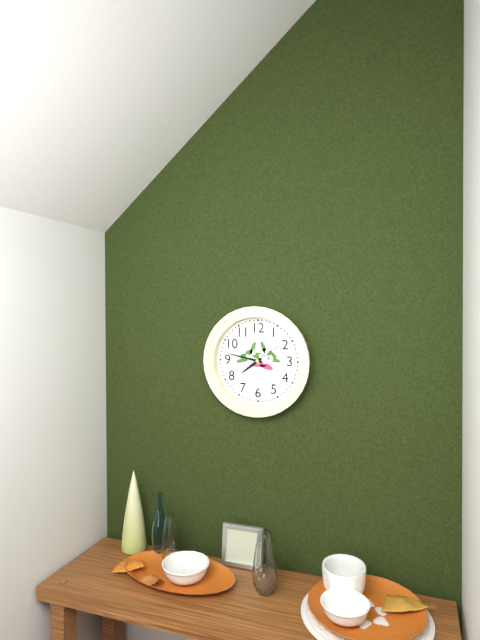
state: 7:47
